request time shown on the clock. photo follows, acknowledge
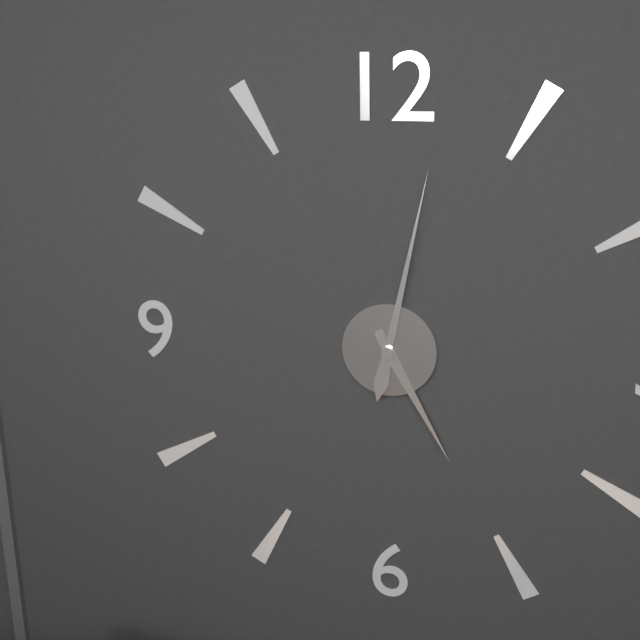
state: 5:02
